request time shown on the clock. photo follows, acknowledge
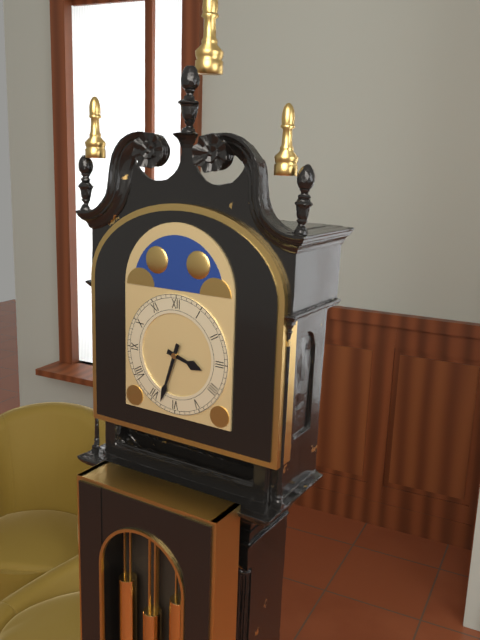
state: 3:33
